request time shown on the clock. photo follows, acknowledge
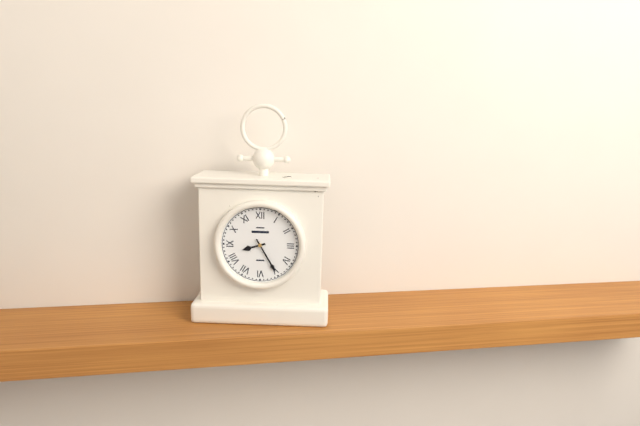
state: 8:25
